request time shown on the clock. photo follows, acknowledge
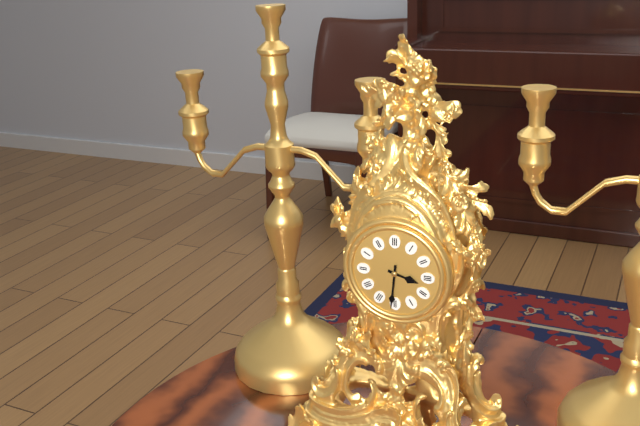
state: 3:31
